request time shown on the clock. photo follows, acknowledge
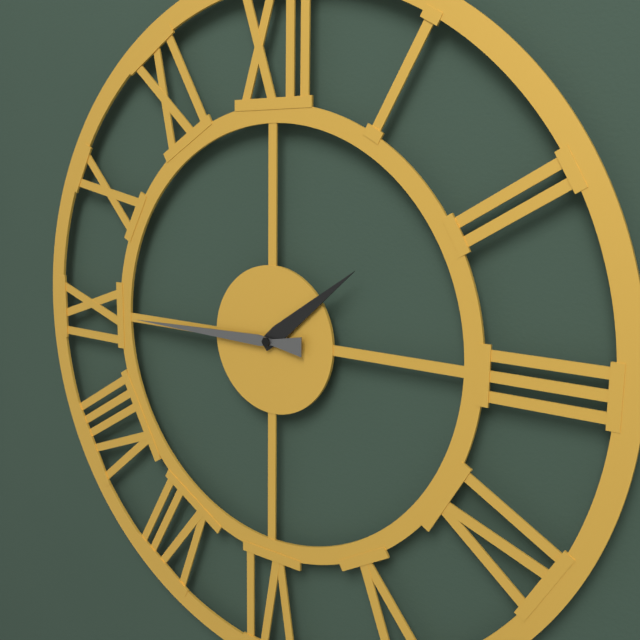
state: 1:45
